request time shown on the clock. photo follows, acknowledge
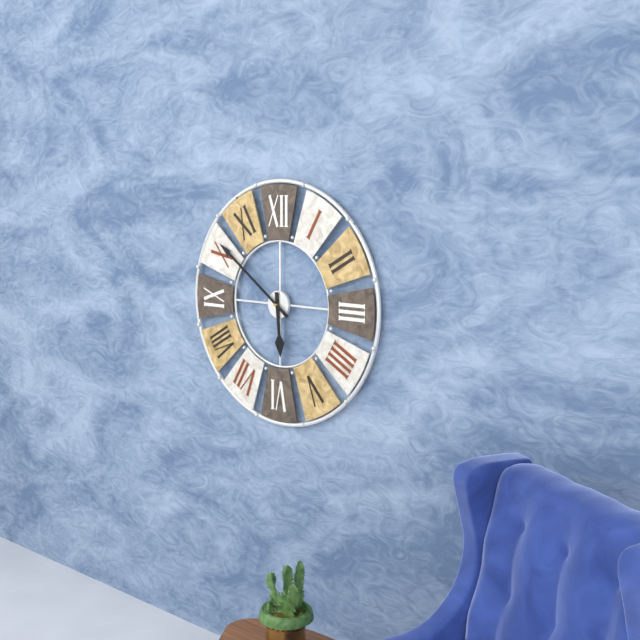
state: 5:51
